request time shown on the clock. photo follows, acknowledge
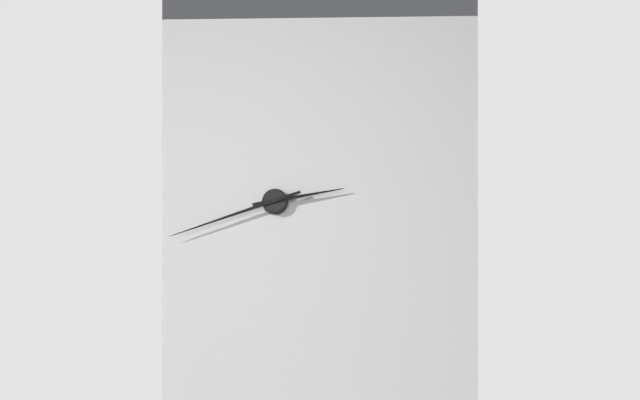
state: 2:42
